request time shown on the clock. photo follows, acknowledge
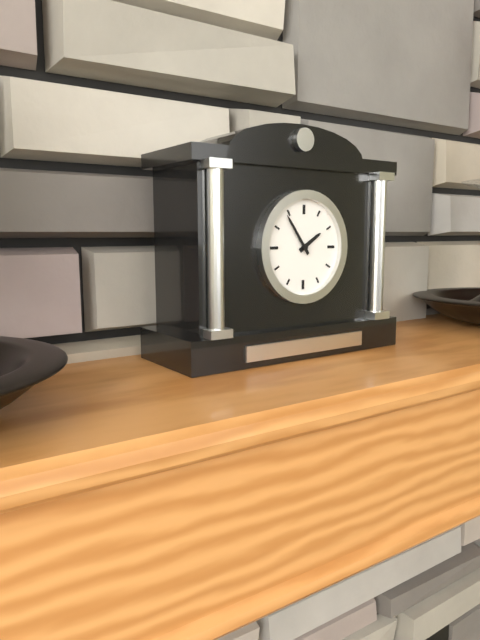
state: 1:54
